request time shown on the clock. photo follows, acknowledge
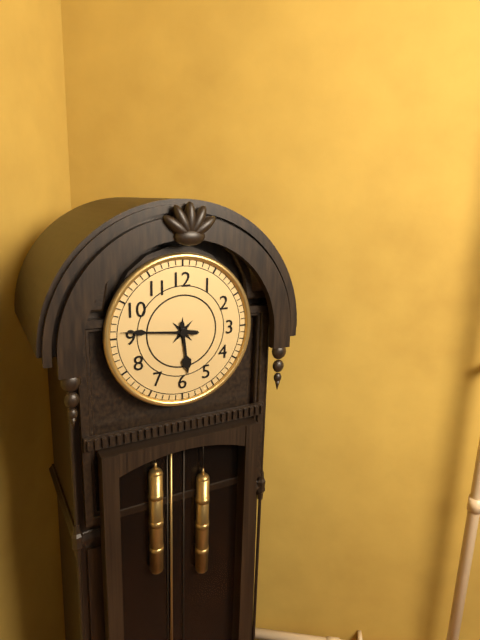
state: 5:46
